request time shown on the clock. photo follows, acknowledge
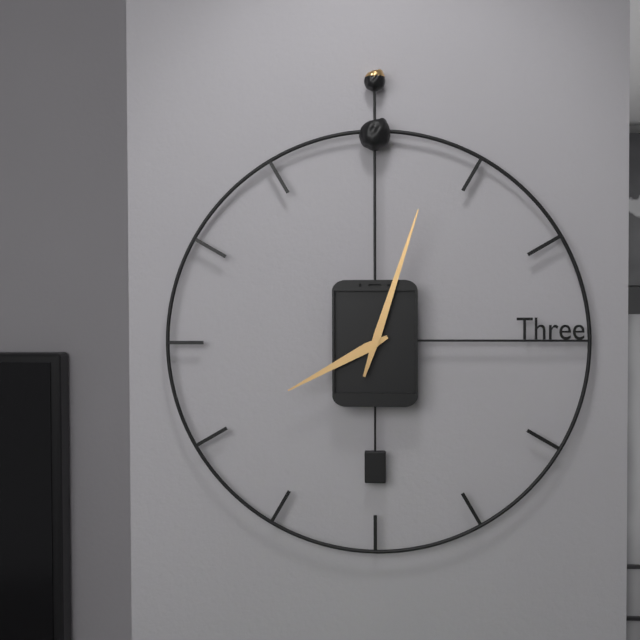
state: 8:03
